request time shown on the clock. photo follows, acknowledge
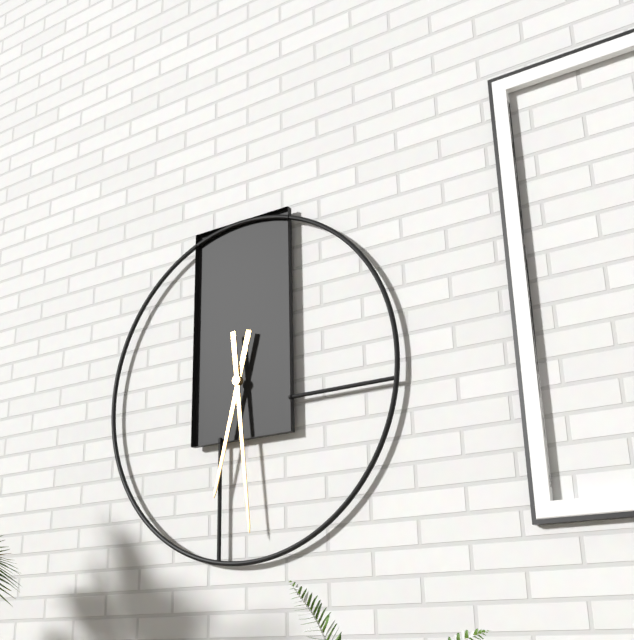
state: 6:29
